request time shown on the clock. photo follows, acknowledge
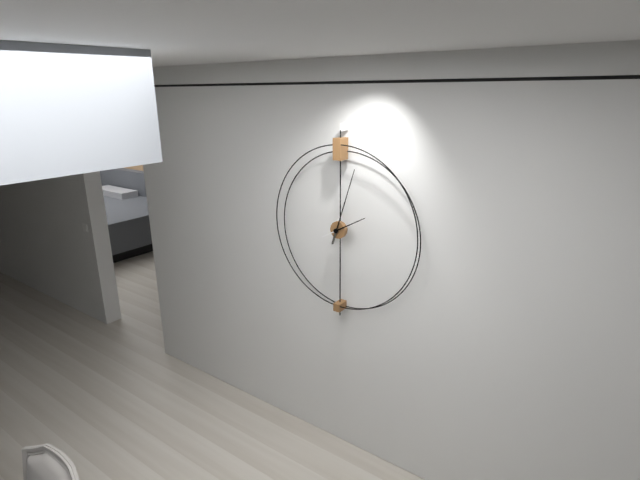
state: 2:03
